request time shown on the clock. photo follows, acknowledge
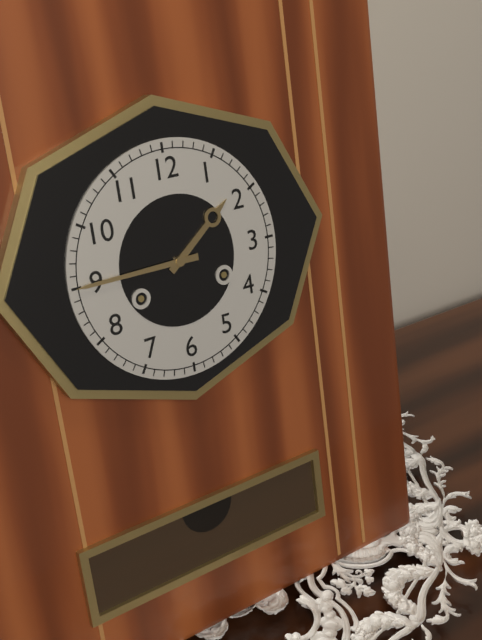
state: 1:45
